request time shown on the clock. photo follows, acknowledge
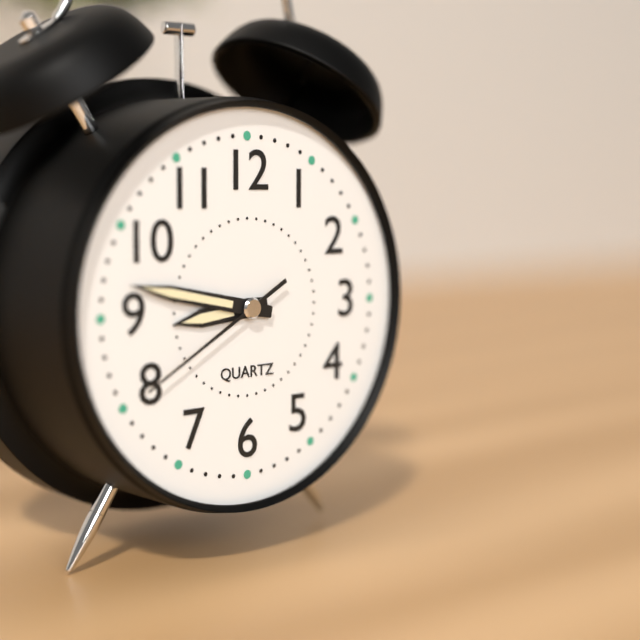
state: 8:47:40
